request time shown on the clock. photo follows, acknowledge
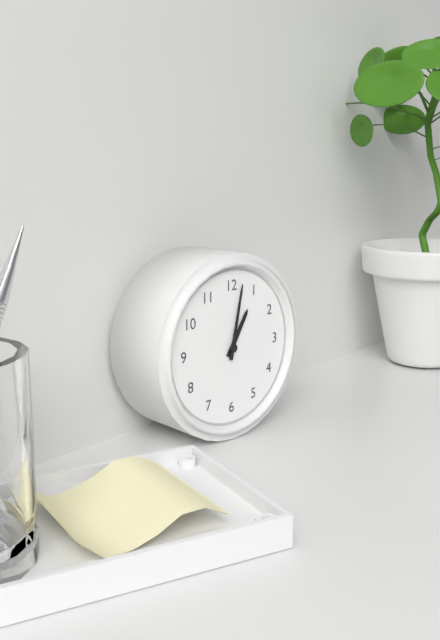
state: 1:02
